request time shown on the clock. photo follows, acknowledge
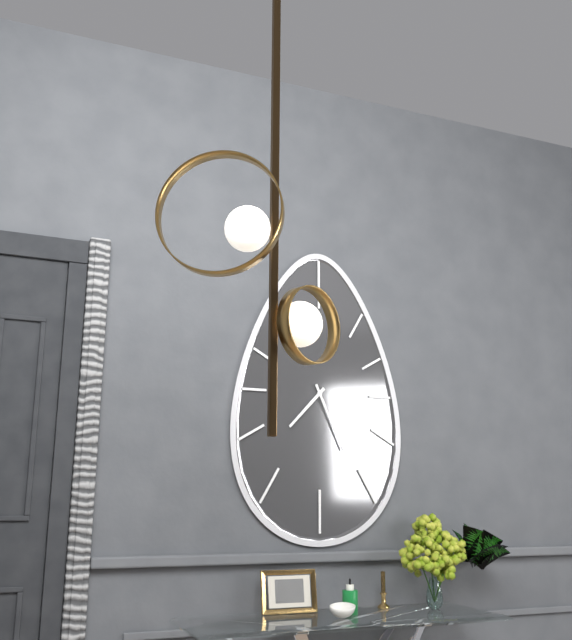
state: 7:26
